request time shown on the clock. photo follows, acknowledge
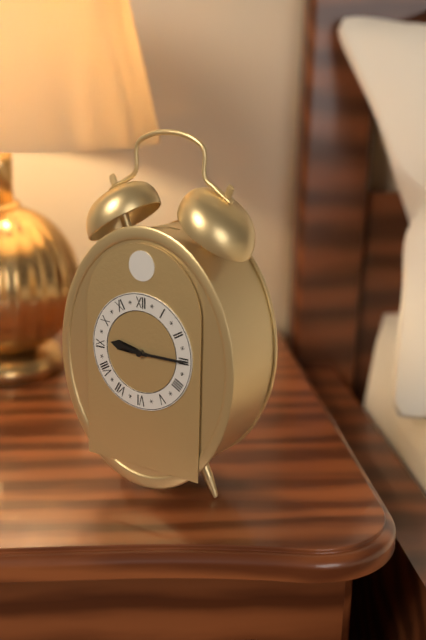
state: 9:15
